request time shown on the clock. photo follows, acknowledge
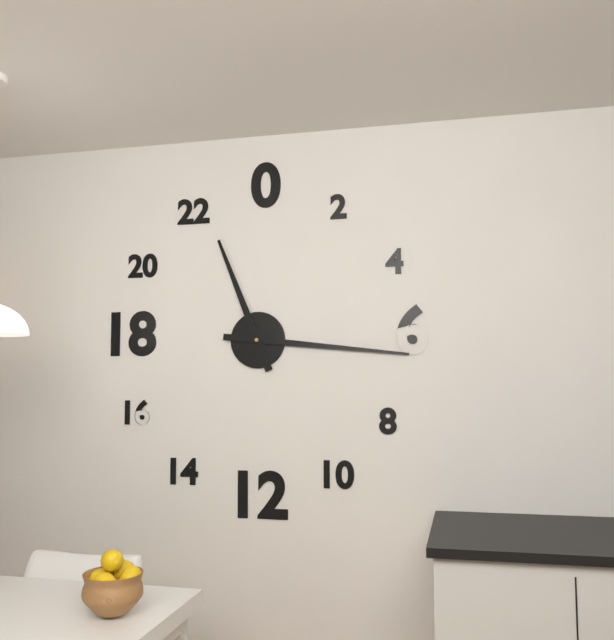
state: 11:16
